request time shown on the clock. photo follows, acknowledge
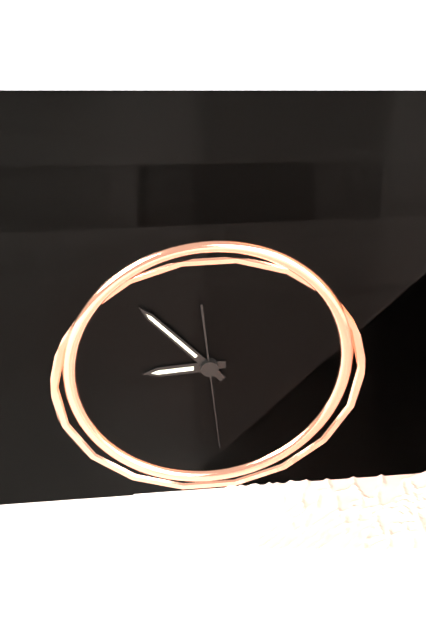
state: 8:53:29
